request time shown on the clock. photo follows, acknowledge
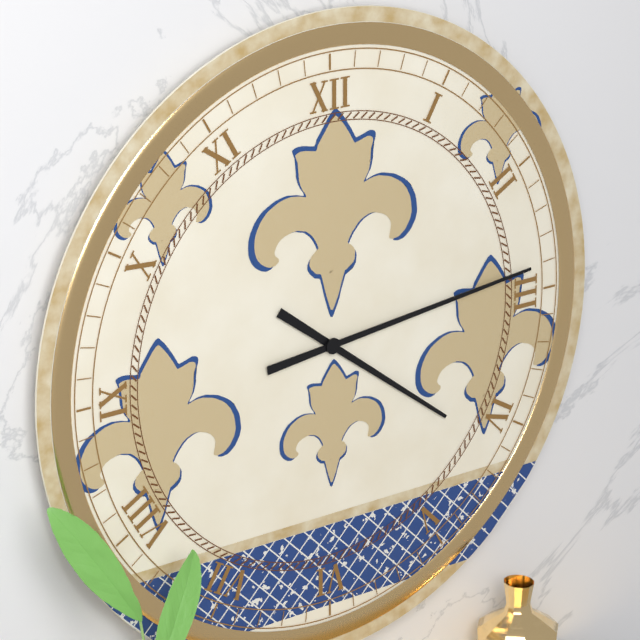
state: 4:14
